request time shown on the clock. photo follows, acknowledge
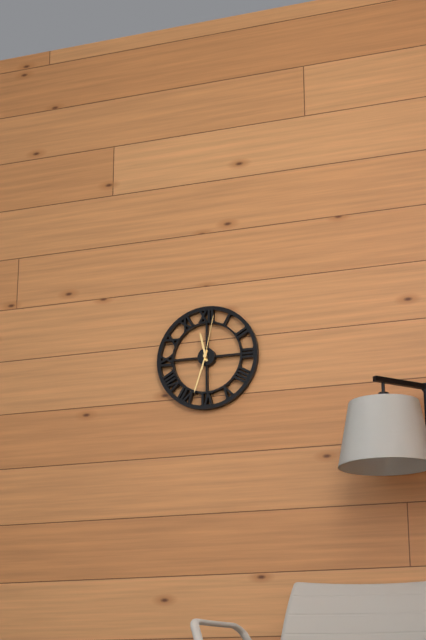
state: 11:33:02
